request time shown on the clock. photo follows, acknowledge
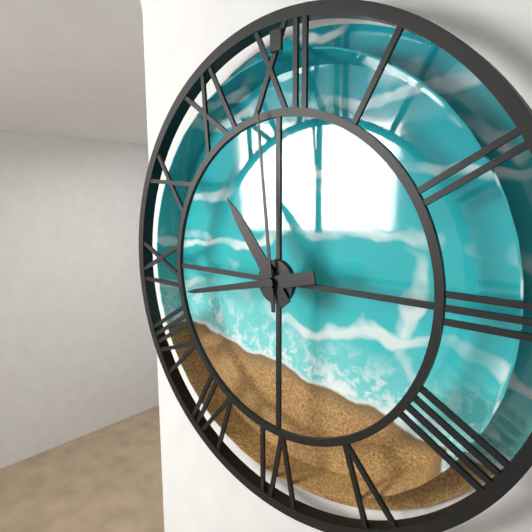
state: 10:43:59
